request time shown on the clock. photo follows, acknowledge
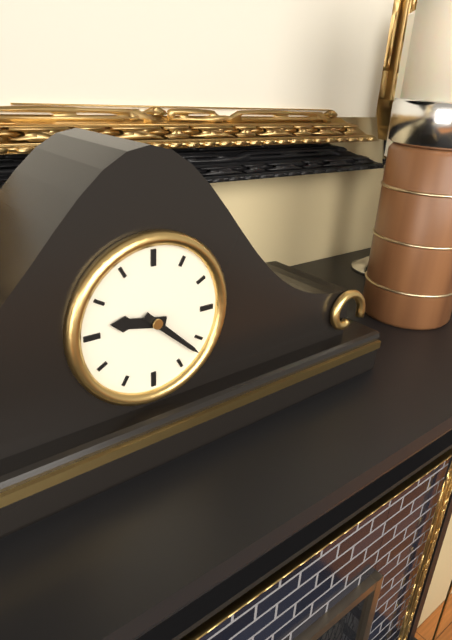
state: 9:22
